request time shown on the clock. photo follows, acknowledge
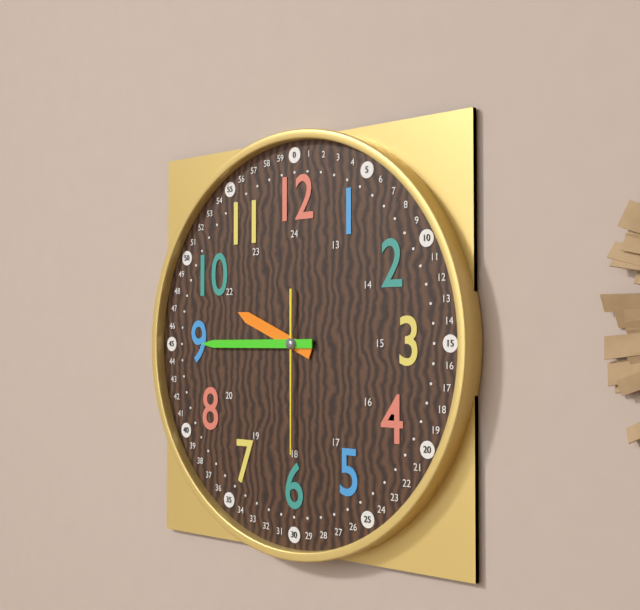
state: 9:45:30
